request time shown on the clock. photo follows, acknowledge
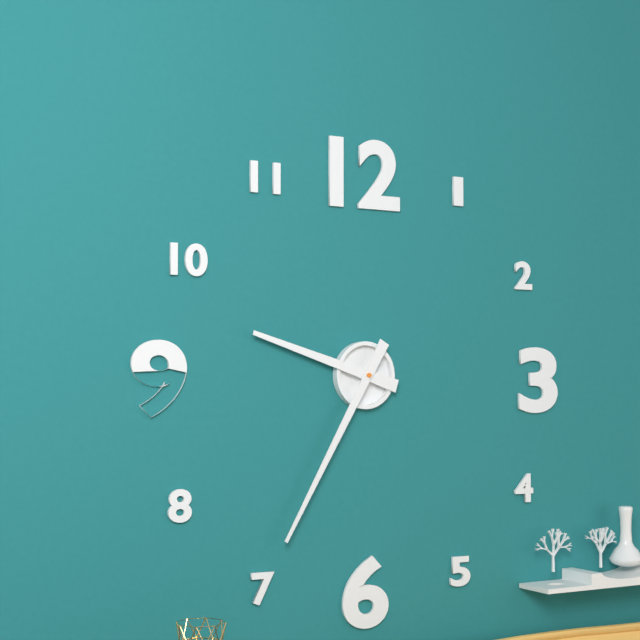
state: 9:35
